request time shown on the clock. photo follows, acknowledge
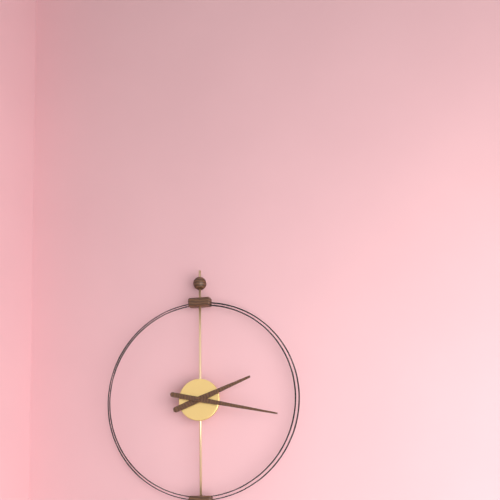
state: 2:17
